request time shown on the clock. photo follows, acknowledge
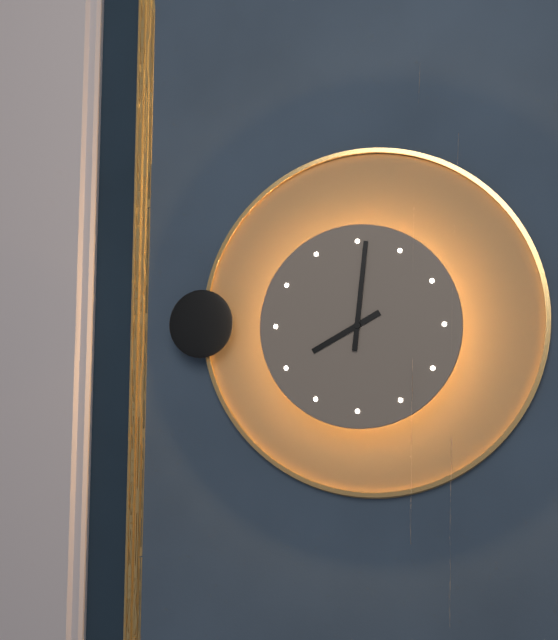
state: 8:01
